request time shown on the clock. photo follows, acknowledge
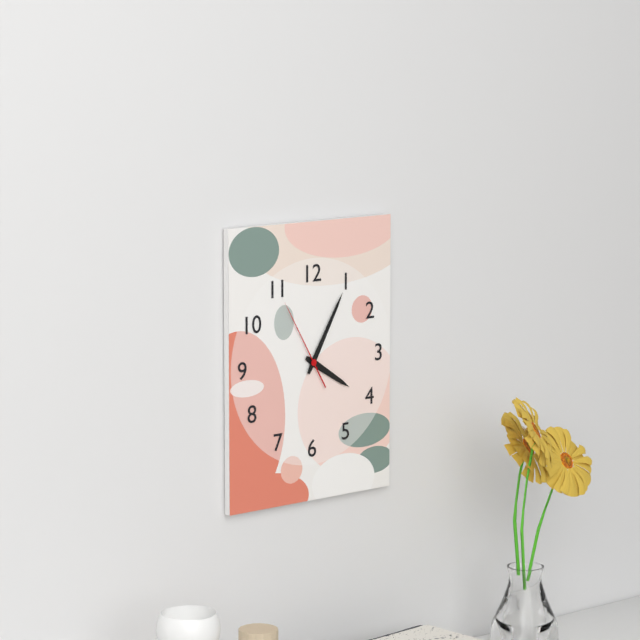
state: 4:05:55
